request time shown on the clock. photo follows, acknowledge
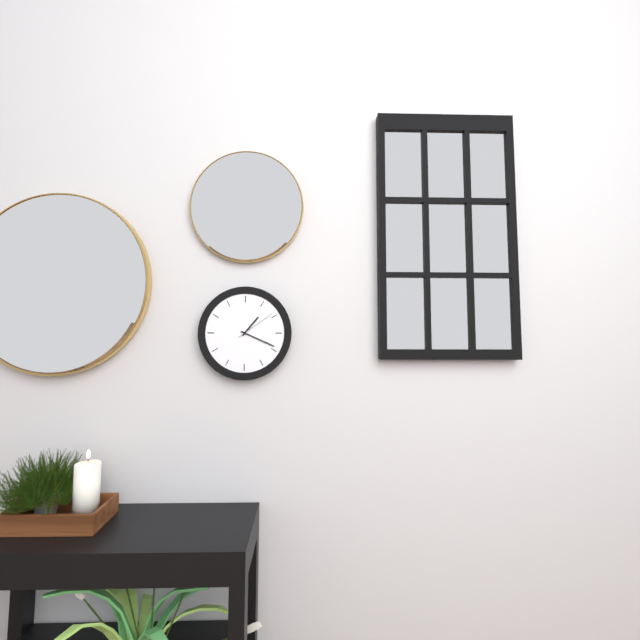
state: 1:19
